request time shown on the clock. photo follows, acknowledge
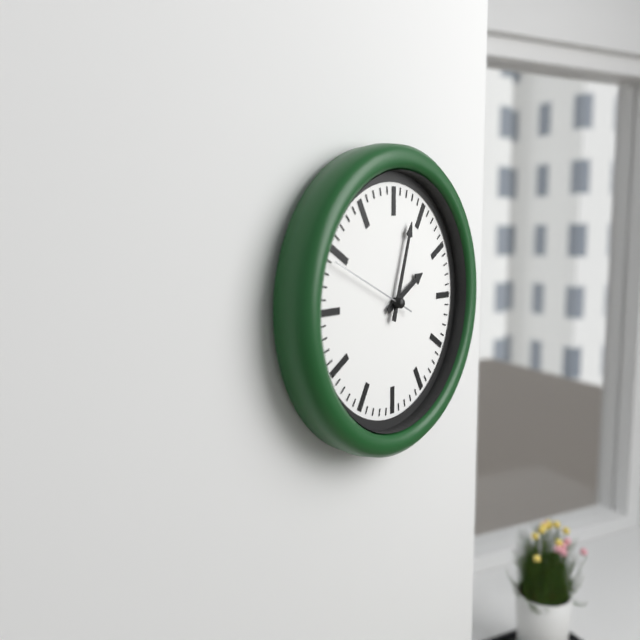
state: 2:03:49
